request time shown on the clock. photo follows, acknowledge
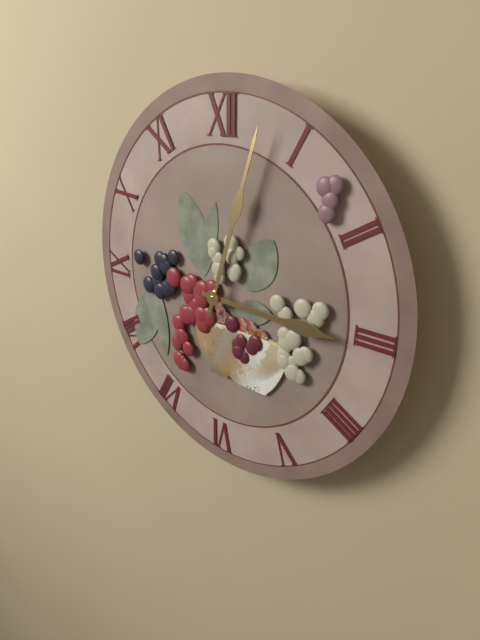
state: 3:03
